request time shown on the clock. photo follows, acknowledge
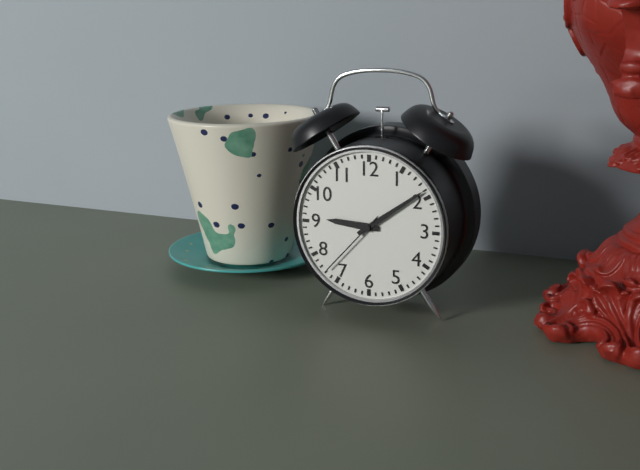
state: 9:09:37
